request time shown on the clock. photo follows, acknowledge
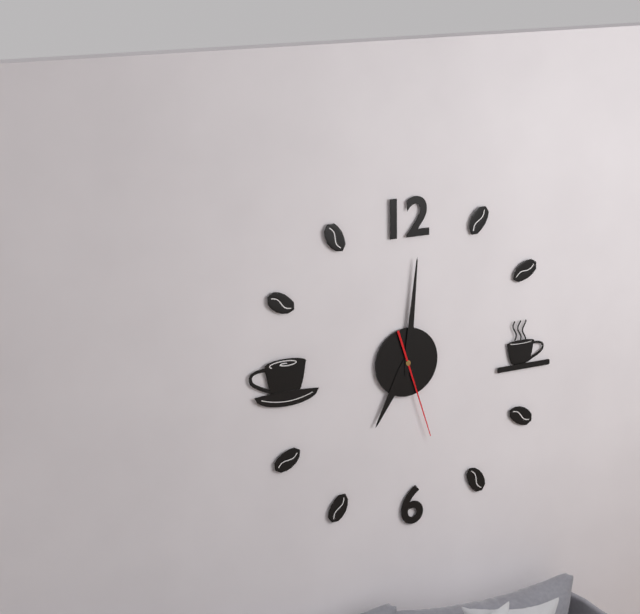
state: 7:01:27
